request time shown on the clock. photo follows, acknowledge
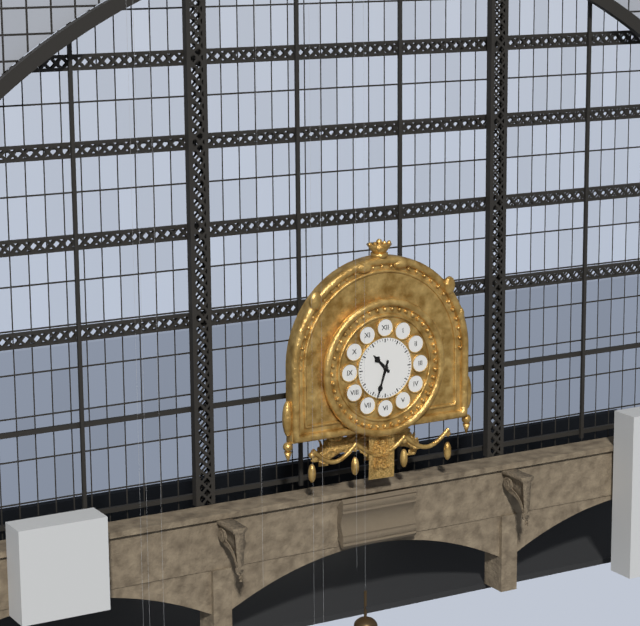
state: 10:33
